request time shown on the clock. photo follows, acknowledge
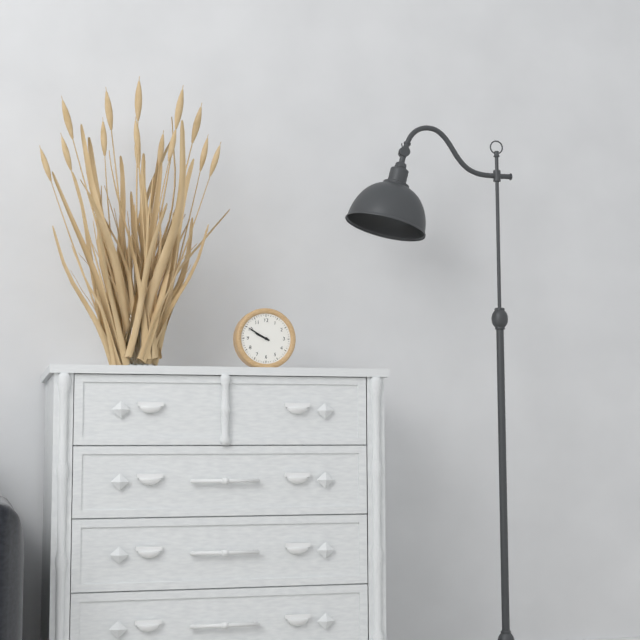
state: 9:50
